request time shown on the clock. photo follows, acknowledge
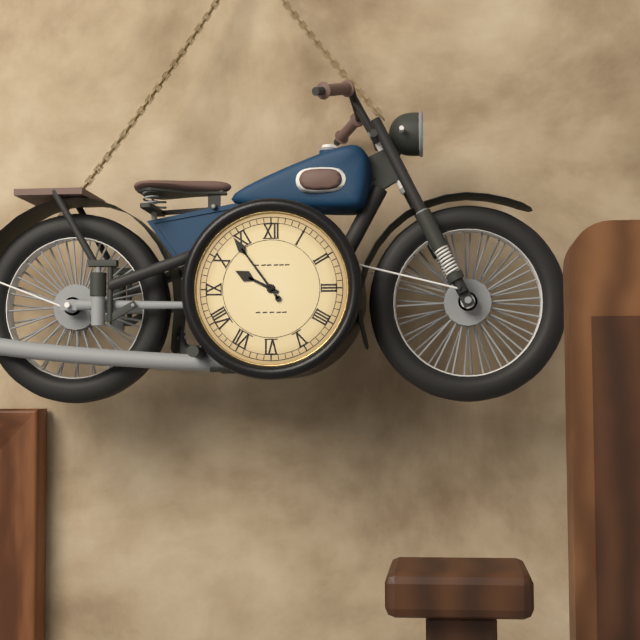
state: 9:54
